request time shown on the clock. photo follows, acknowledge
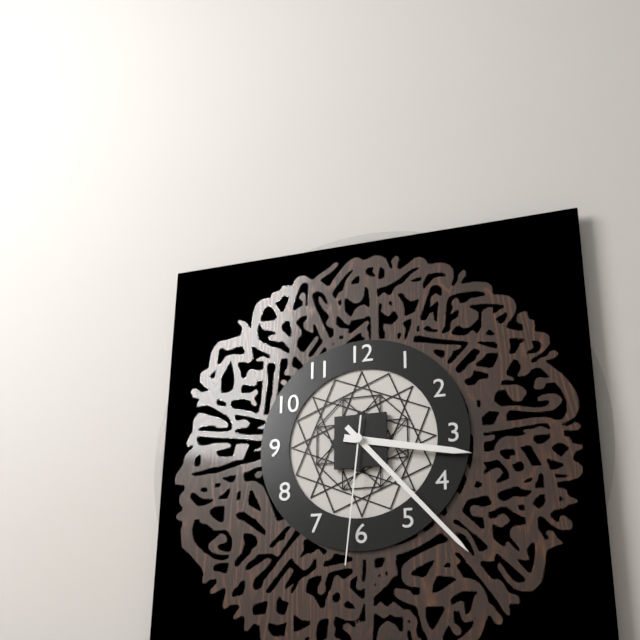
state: 3:23:31
